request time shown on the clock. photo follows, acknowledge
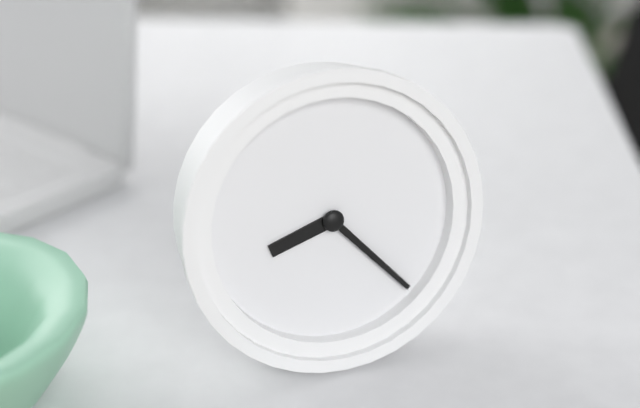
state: 8:23
